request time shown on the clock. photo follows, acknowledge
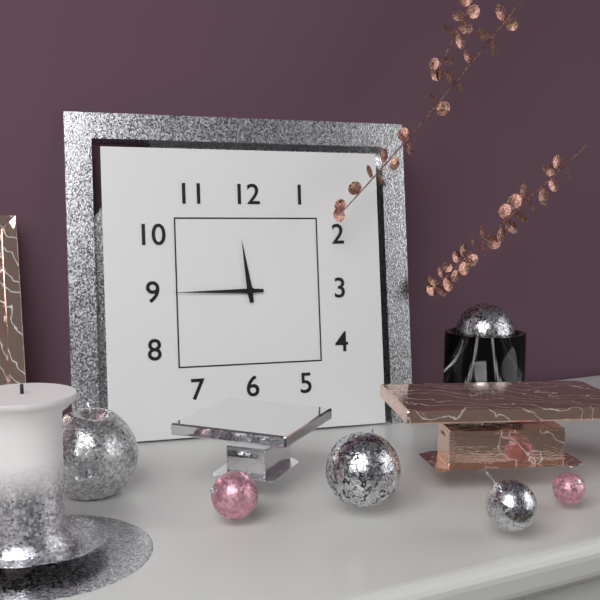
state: 11:45
